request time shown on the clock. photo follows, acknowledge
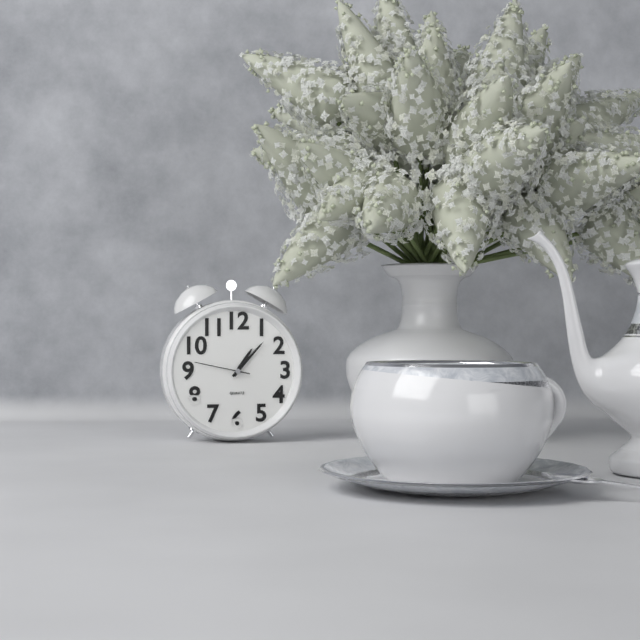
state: 1:07:47
